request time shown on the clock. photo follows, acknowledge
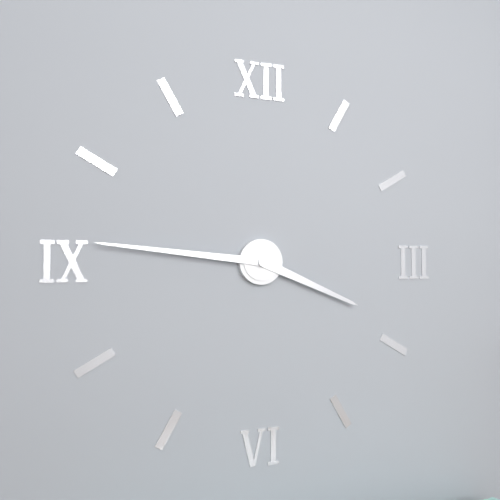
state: 3:46
